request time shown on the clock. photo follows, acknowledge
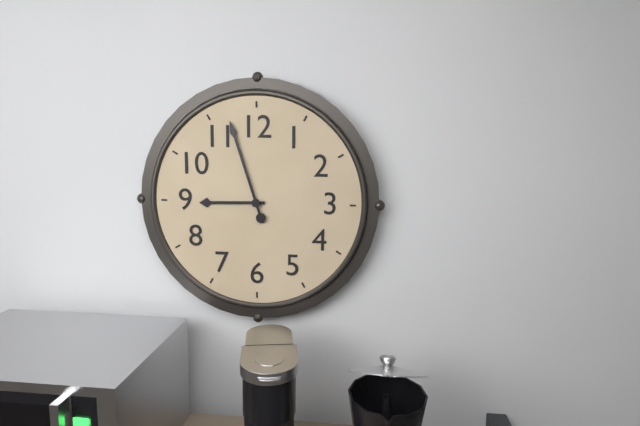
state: 8:57
